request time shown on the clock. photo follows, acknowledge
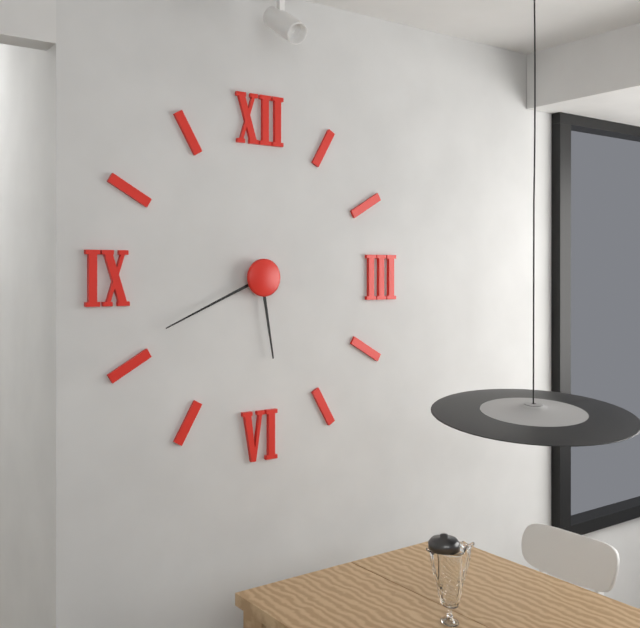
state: 5:41
